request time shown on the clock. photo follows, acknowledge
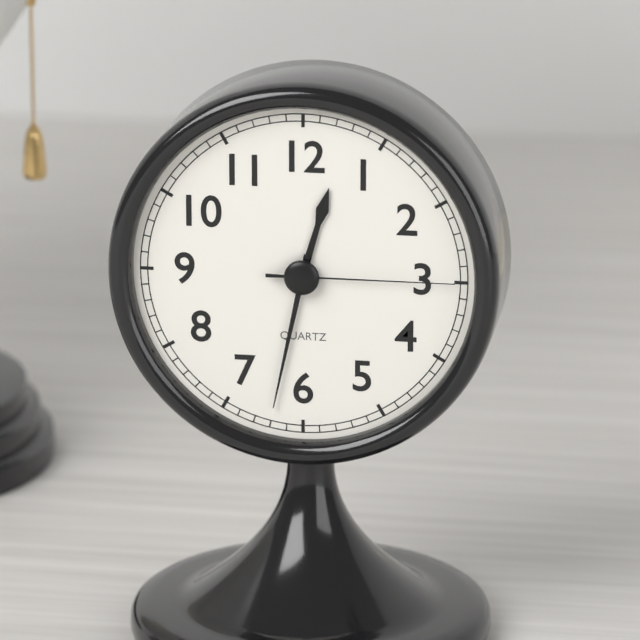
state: 12:32:15
